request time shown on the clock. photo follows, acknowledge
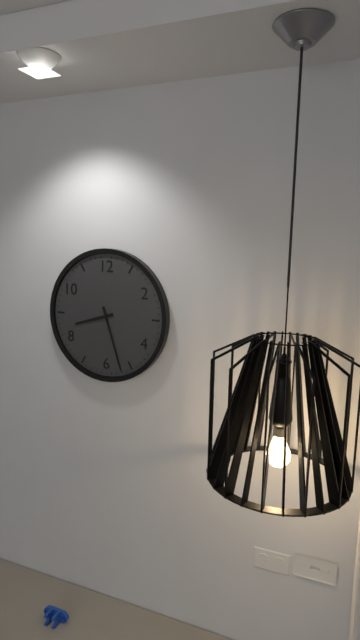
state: 8:27
